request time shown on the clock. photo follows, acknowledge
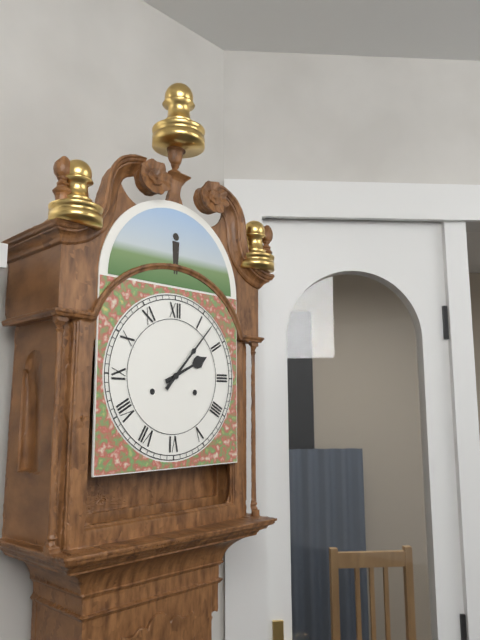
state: 2:07
